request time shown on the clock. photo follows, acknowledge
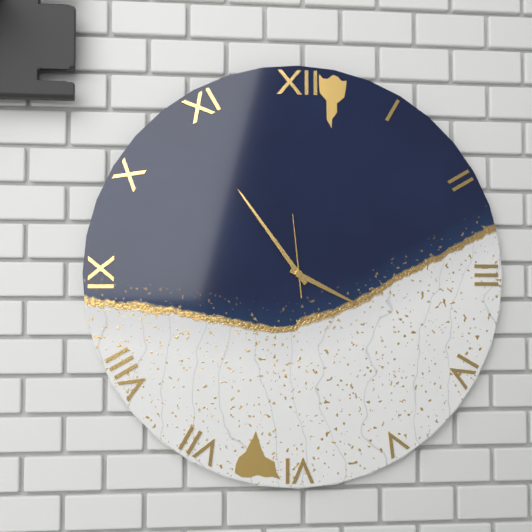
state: 3:54:59
